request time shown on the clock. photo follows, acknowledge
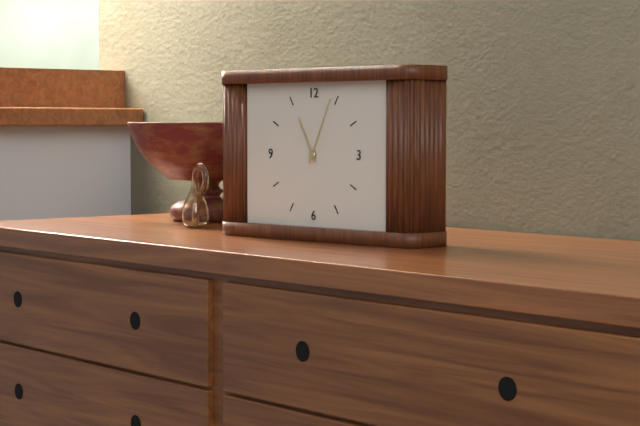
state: 11:04
